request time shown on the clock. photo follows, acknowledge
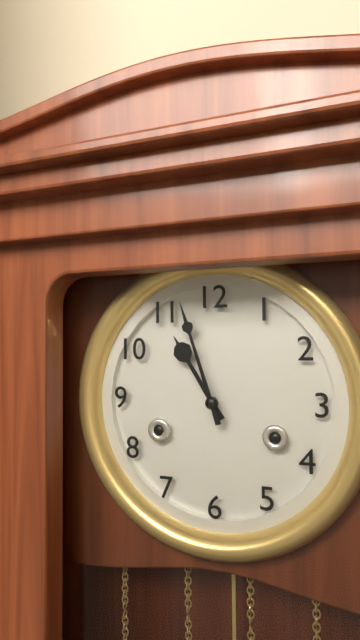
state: 10:57
